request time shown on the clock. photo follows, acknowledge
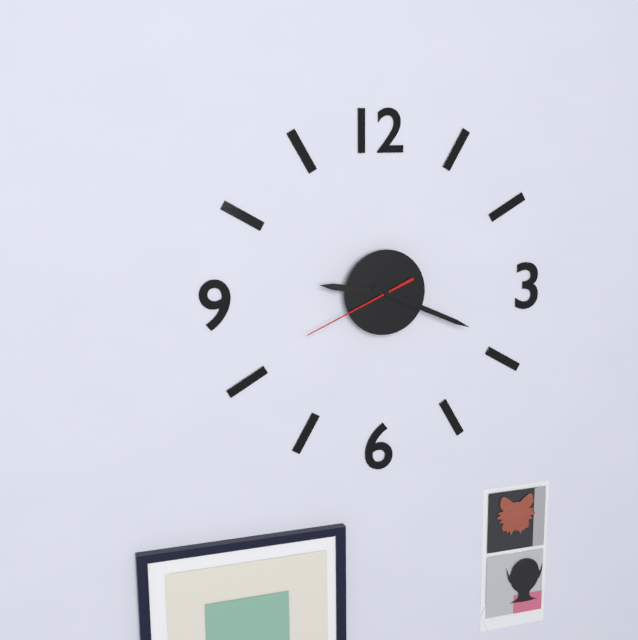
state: 9:19:41
